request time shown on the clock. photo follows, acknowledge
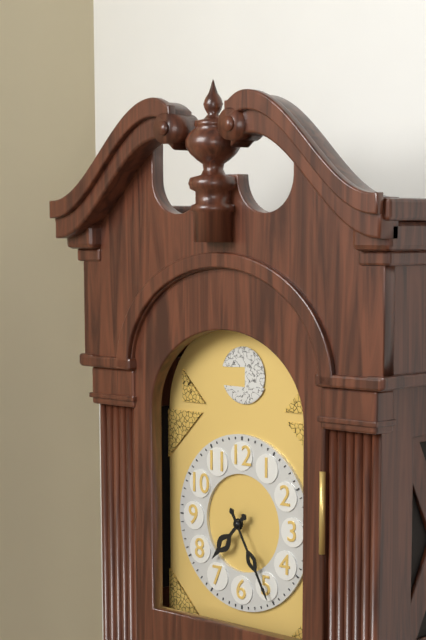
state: 7:25
